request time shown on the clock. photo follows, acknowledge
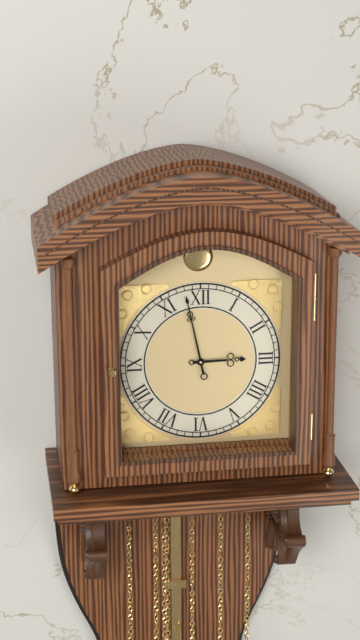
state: 2:58
